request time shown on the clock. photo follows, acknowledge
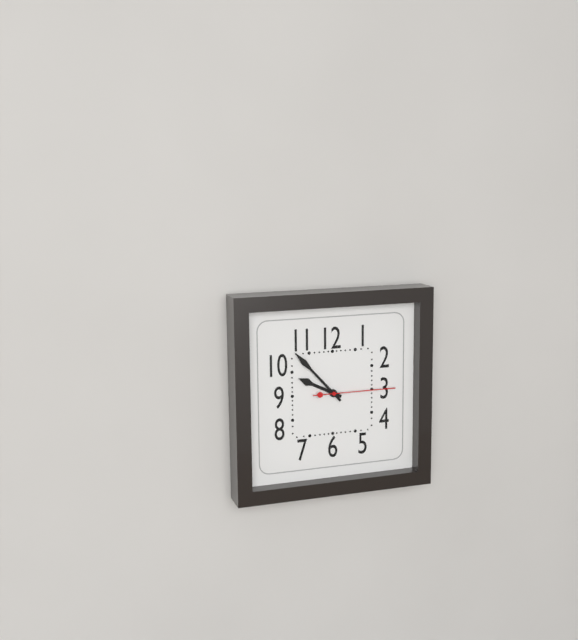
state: 9:53:15
